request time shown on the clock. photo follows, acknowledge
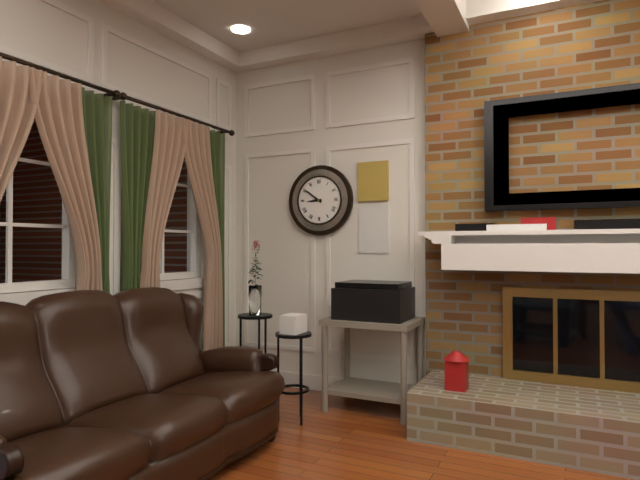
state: 8:51
